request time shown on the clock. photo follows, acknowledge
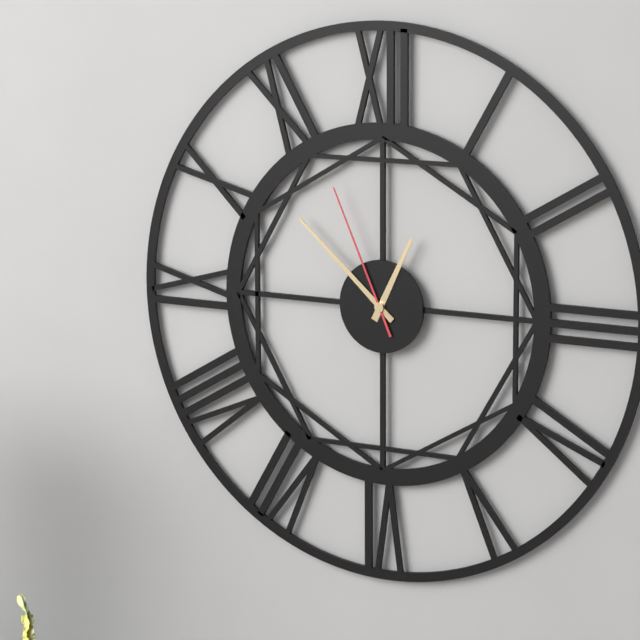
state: 12:52:56
